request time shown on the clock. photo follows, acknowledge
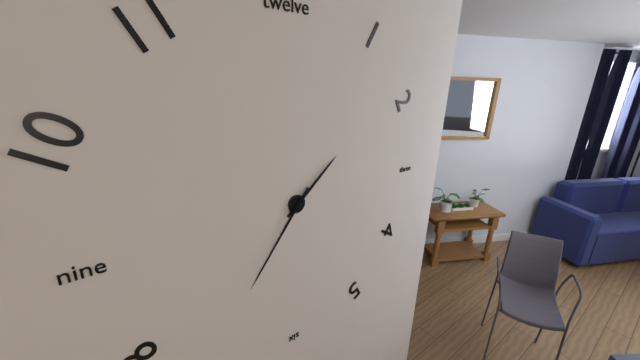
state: 1:36
